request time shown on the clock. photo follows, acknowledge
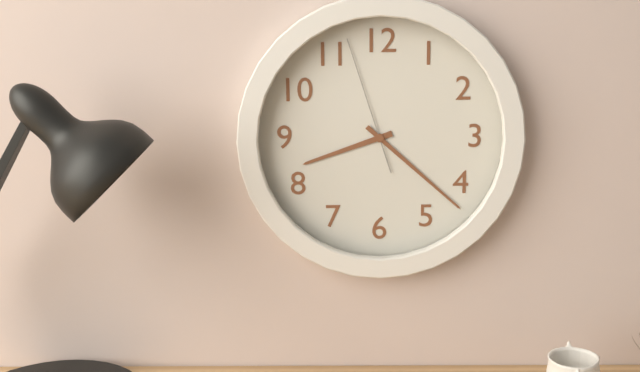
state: 8:22:57
